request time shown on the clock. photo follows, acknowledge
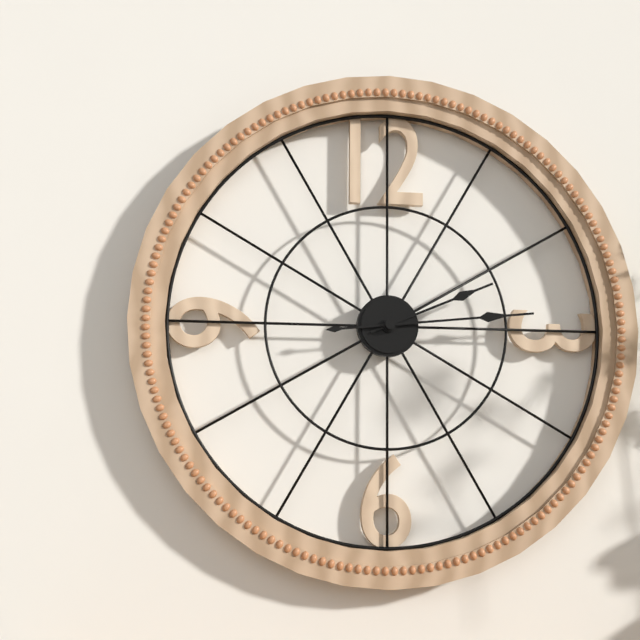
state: 2:14
